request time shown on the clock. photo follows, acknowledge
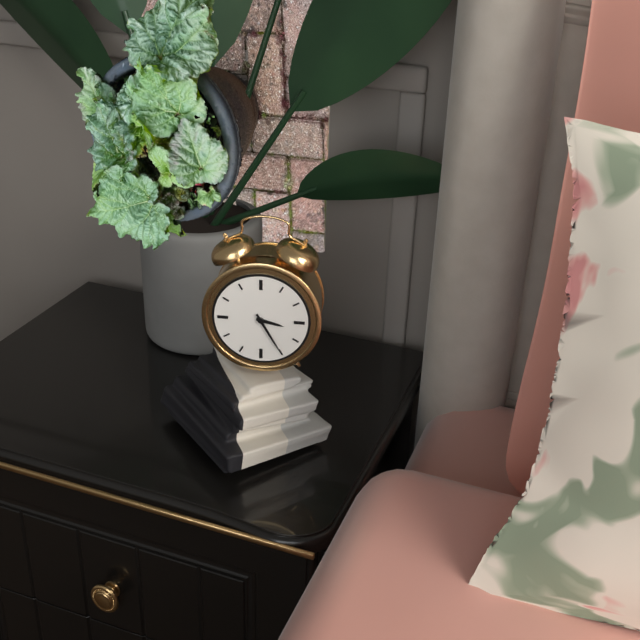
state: 3:25
